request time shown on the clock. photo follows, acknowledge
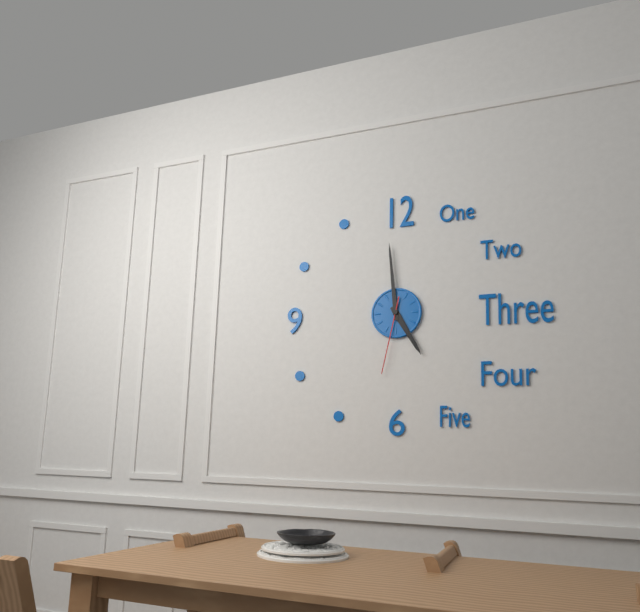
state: 4:59:32
